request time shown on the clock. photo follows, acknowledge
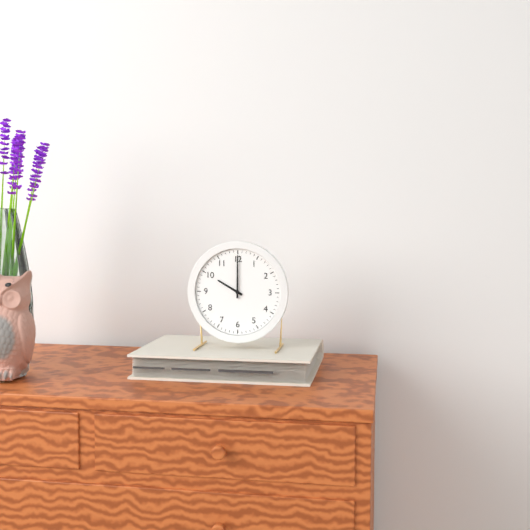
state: 10:00
